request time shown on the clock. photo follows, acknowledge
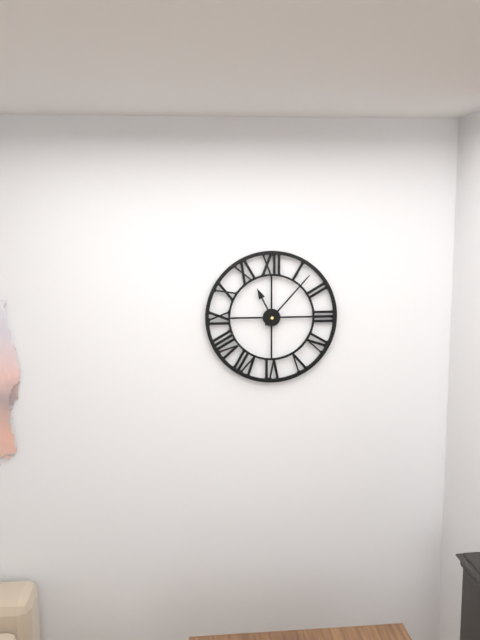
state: 11:07
